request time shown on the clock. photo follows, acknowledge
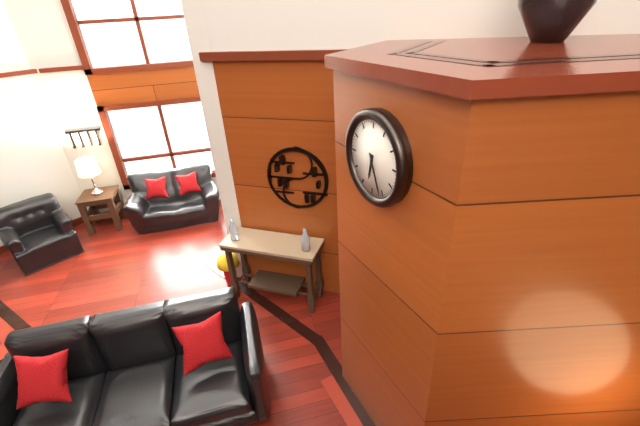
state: 6:26
